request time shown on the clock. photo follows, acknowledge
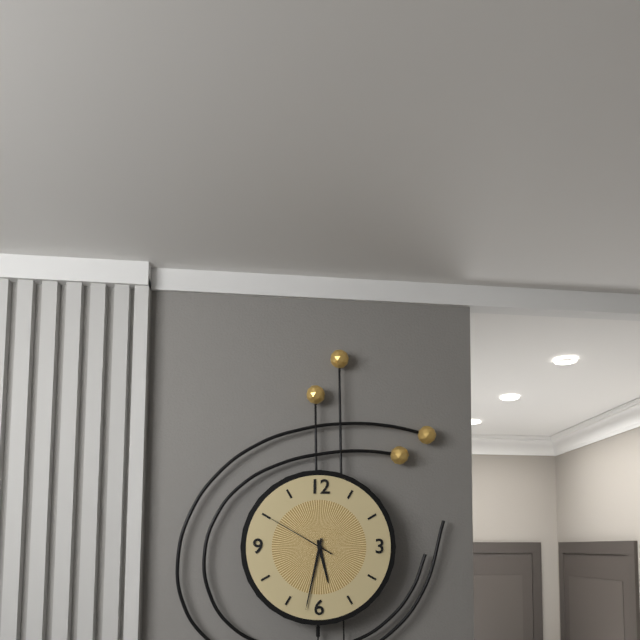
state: 5:32:50
